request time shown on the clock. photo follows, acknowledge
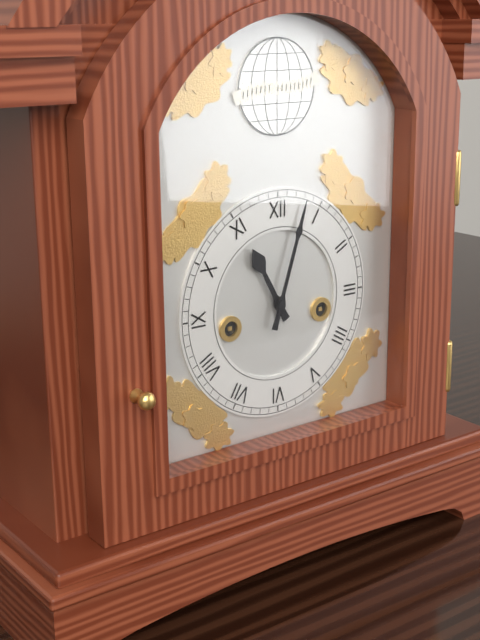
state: 11:03
